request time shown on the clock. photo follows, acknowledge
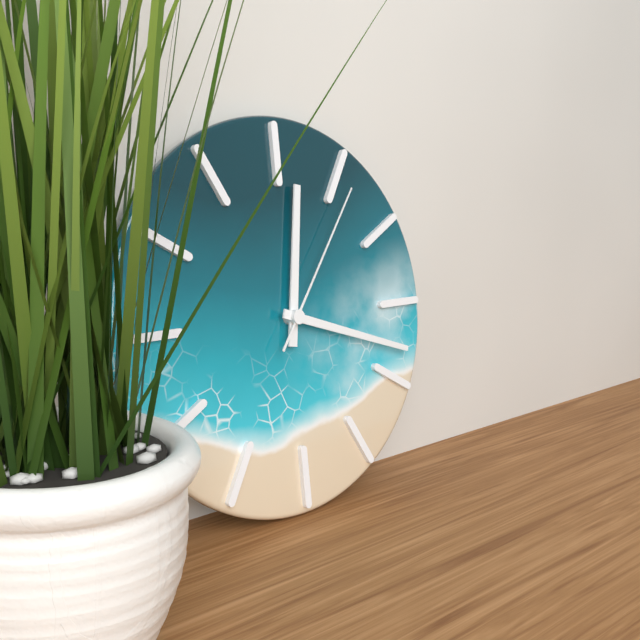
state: 12:18:06
